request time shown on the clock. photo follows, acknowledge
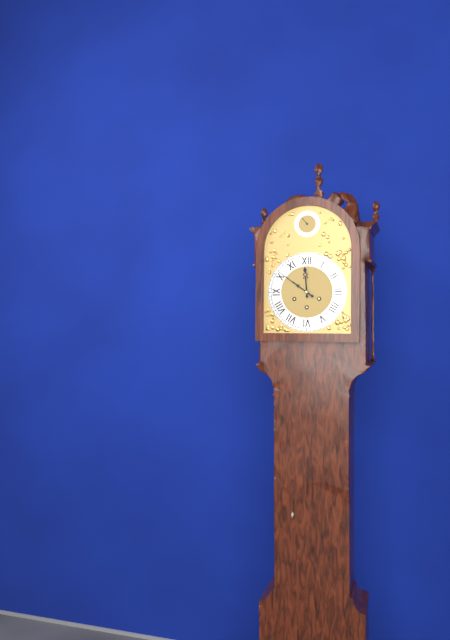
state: 11:51
